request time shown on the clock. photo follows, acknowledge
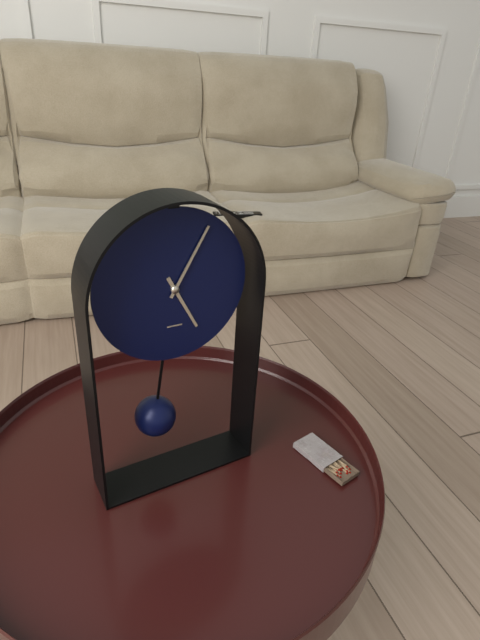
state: 5:05
